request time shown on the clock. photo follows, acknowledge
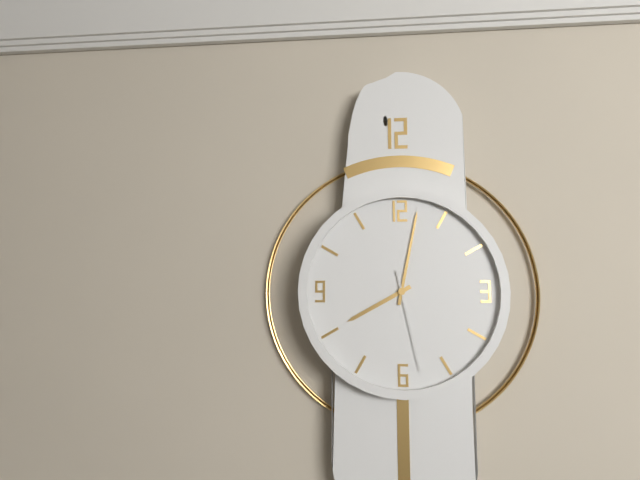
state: 8:02:28
